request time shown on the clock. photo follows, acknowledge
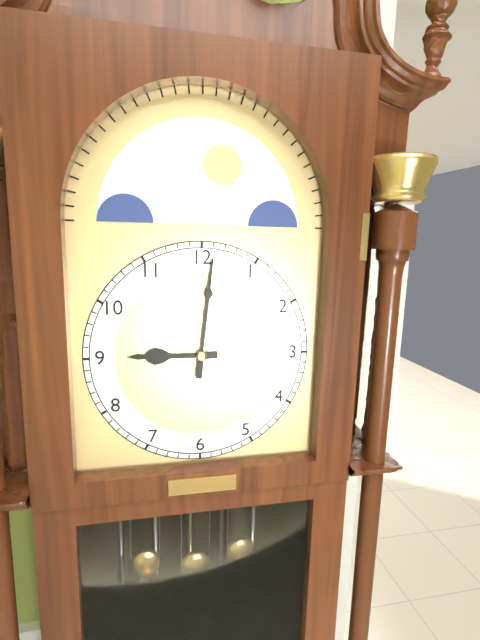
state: 9:01
